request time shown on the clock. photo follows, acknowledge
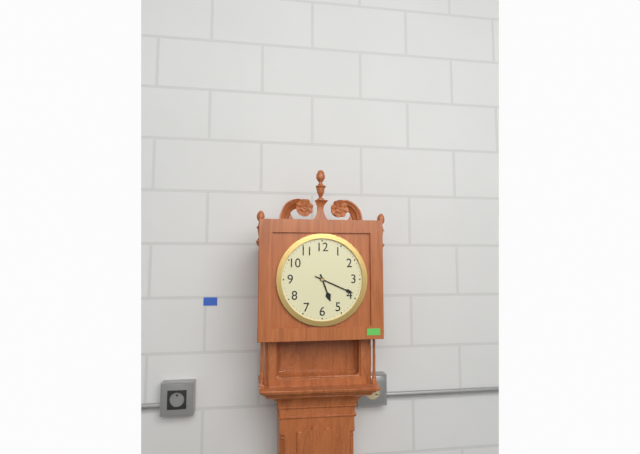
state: 5:19
